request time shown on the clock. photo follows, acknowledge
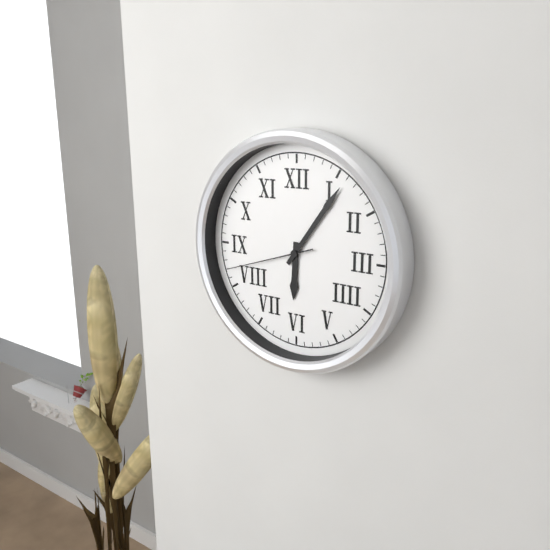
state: 6:06:42
